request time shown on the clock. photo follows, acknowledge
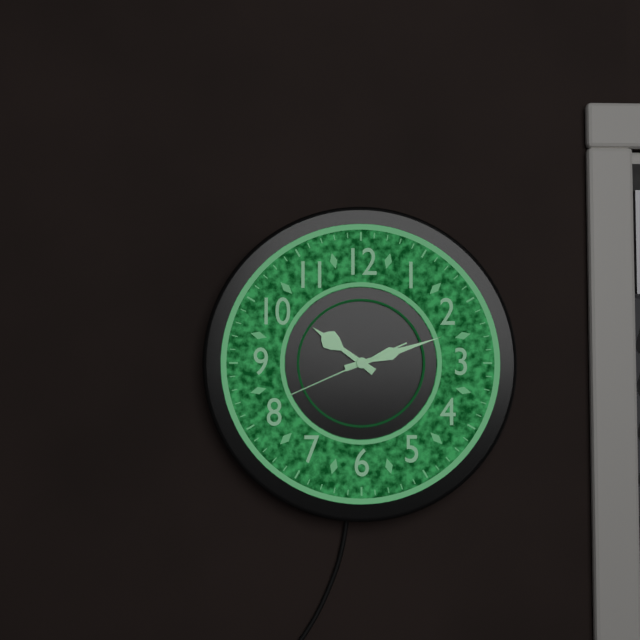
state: 10:12:41
